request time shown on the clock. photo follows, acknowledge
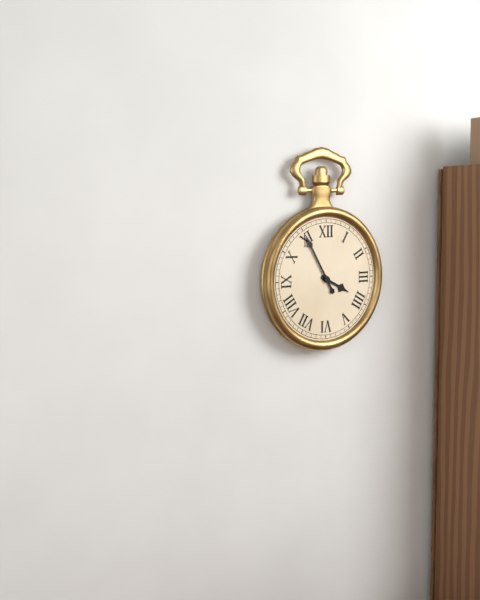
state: 3:55
